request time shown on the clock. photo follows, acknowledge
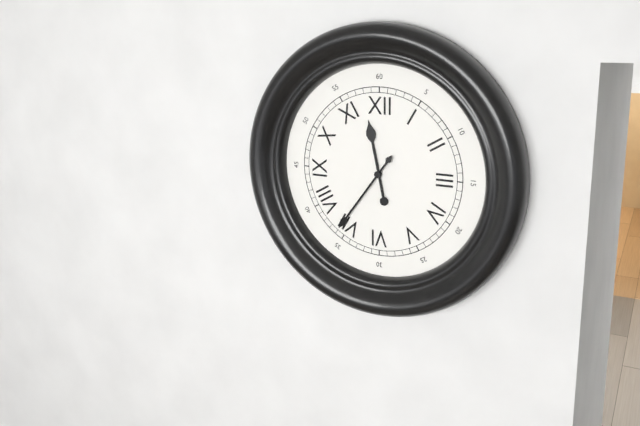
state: 11:36
